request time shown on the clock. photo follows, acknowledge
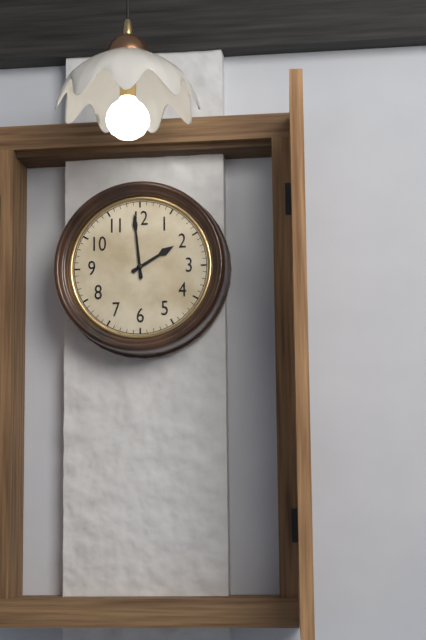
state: 1:59
